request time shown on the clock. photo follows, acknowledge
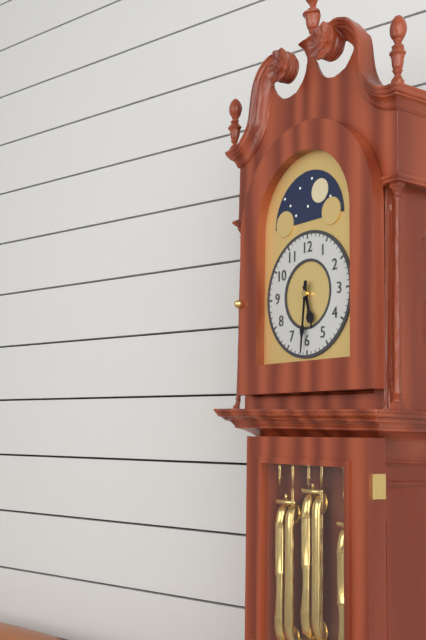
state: 5:31
